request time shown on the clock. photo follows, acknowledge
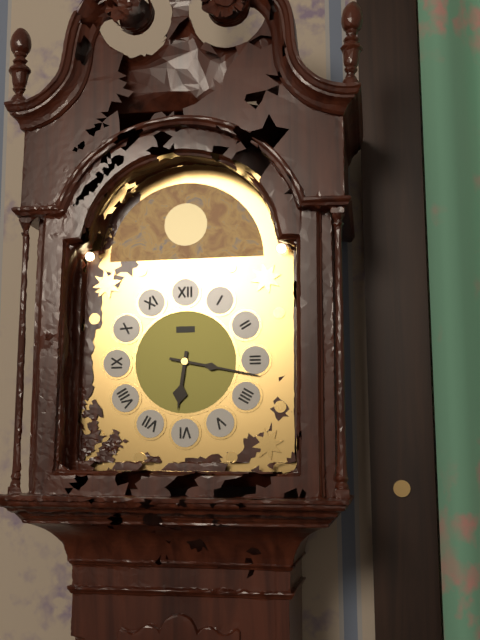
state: 6:17
